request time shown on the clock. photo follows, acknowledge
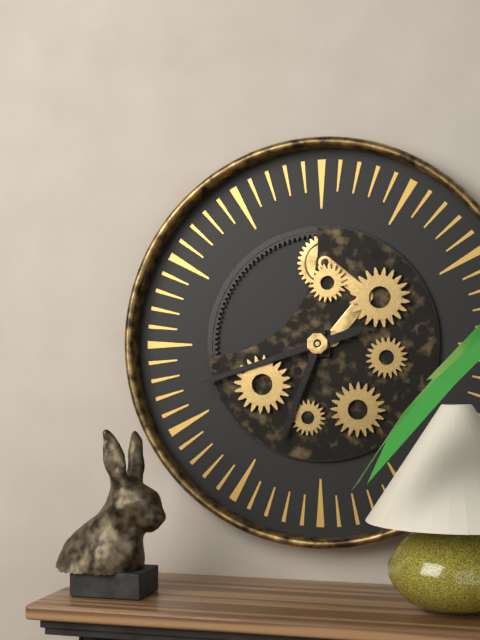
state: 6:42
